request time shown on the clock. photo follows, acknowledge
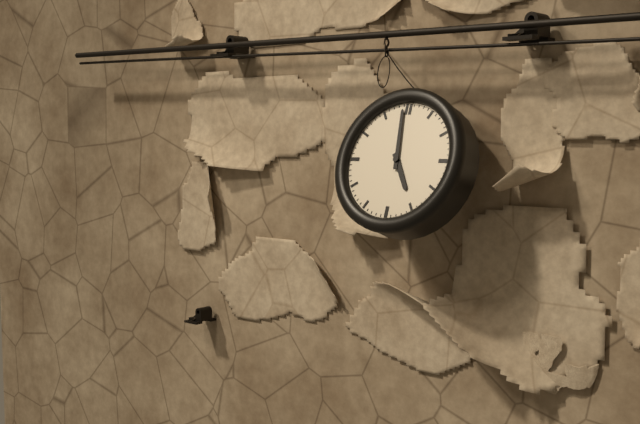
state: 4:59
